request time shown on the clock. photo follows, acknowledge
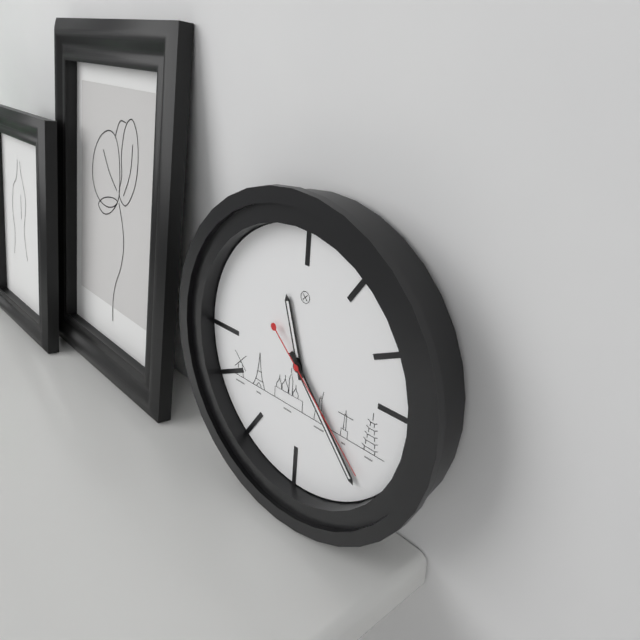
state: 11:23:22
